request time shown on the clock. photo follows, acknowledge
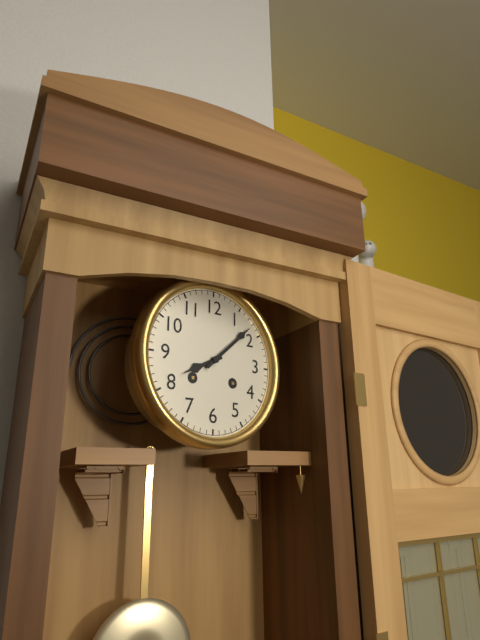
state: 8:08
